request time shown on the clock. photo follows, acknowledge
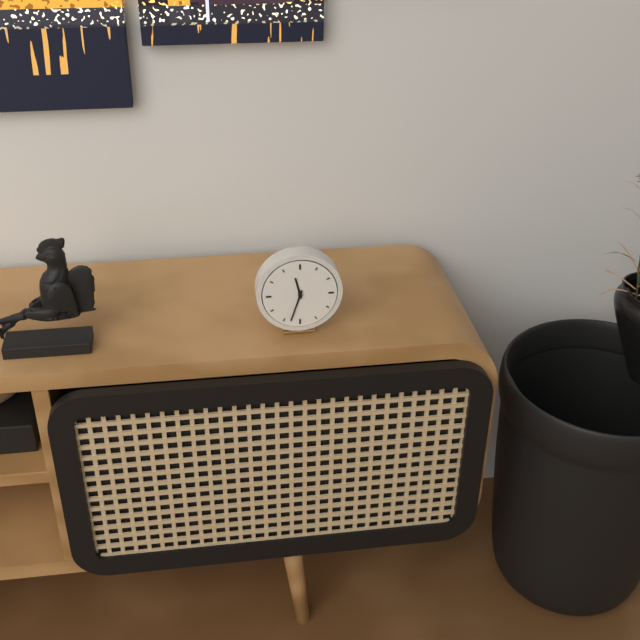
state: 11:33
